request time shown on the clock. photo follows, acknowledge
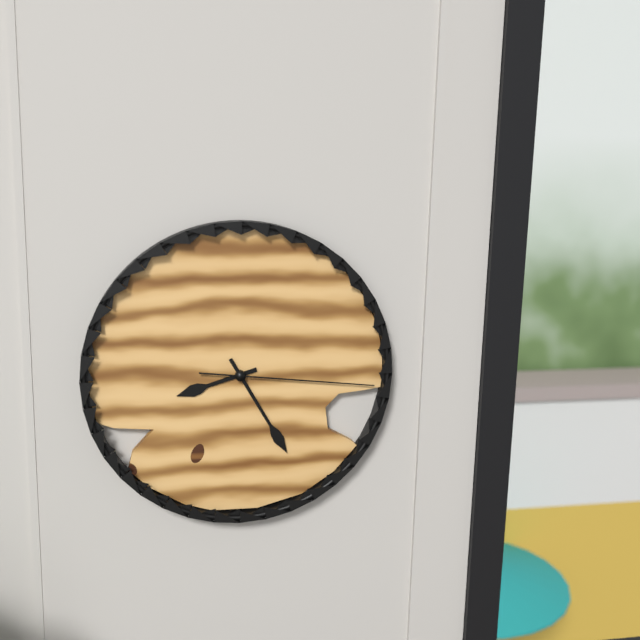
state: 8:25:16
